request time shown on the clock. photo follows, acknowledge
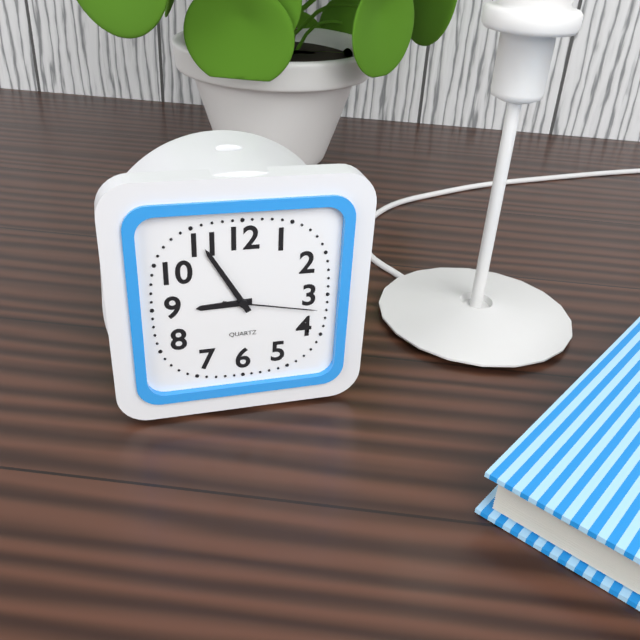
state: 8:55:17
